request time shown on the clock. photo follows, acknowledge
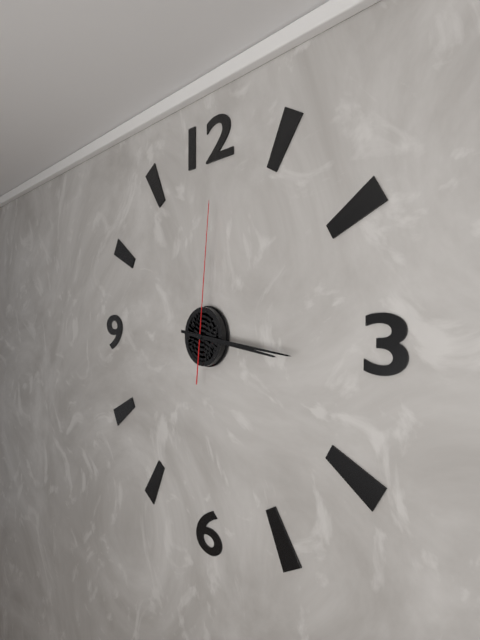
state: 3:16:01
